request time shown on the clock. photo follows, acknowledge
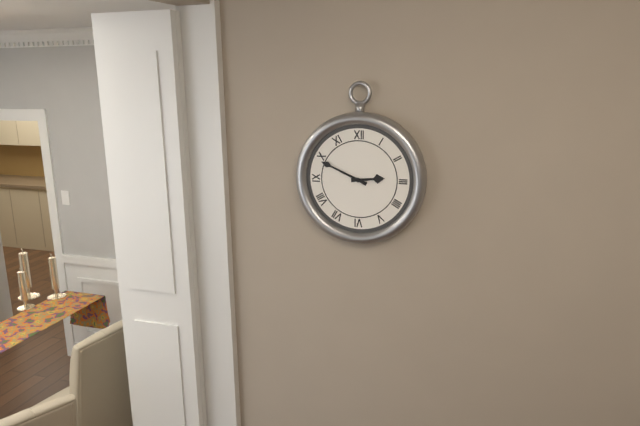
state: 2:49
